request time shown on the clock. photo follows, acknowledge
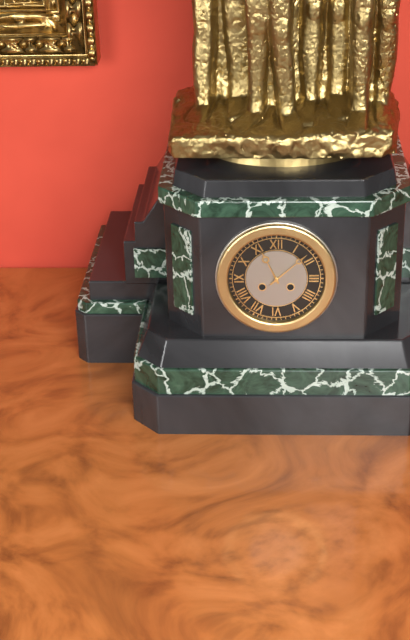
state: 11:08
